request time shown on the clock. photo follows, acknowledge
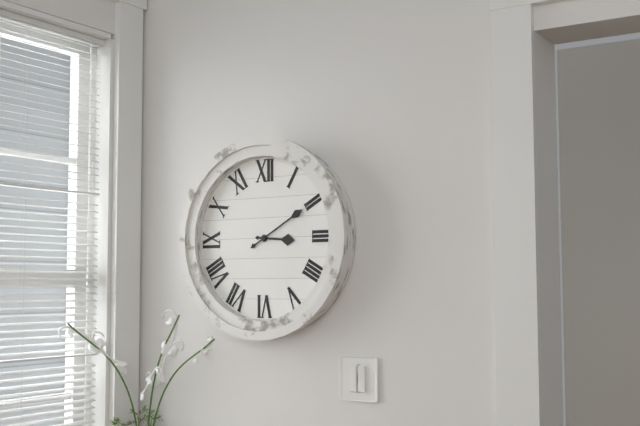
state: 3:10
